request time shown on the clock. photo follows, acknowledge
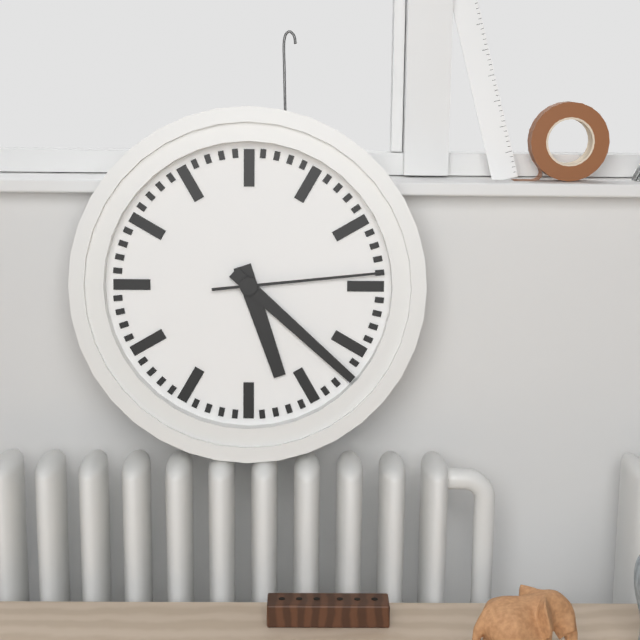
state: 5:22:14
